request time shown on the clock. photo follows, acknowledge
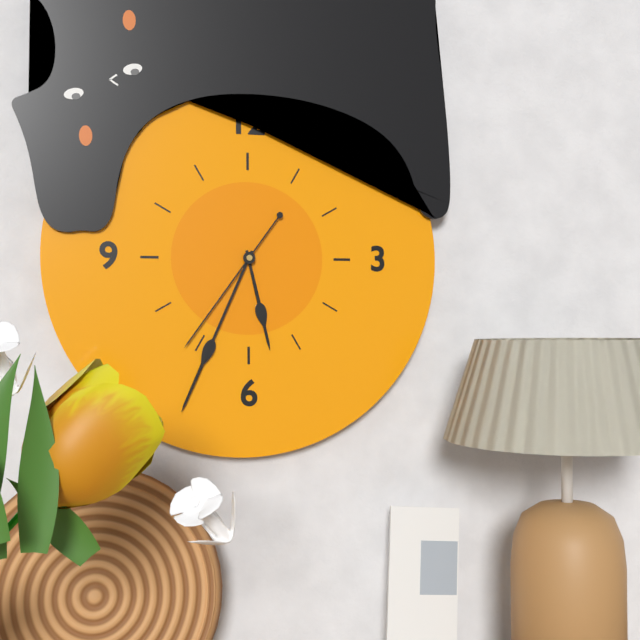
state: 5:34:36
